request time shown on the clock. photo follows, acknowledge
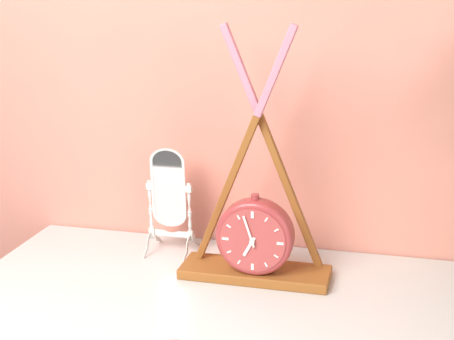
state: 6:57
